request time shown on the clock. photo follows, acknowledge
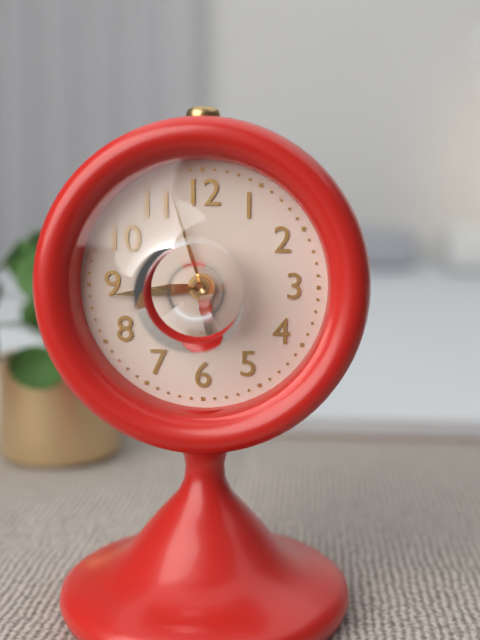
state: 5:44:57
